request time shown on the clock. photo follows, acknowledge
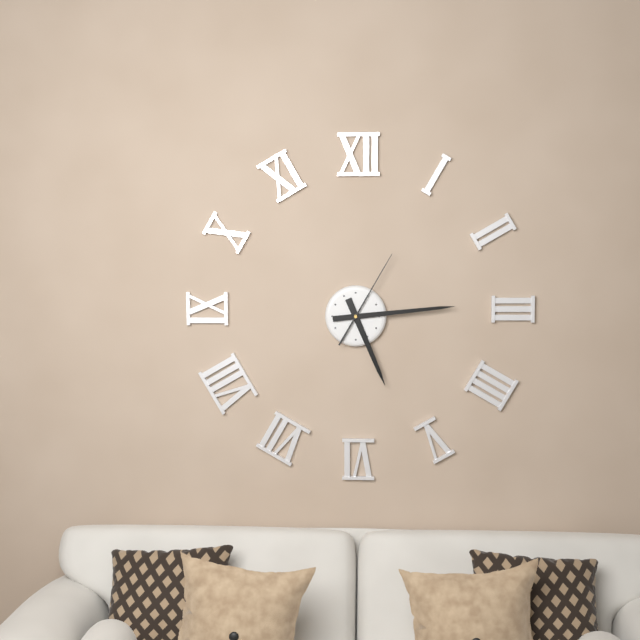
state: 5:14:05
